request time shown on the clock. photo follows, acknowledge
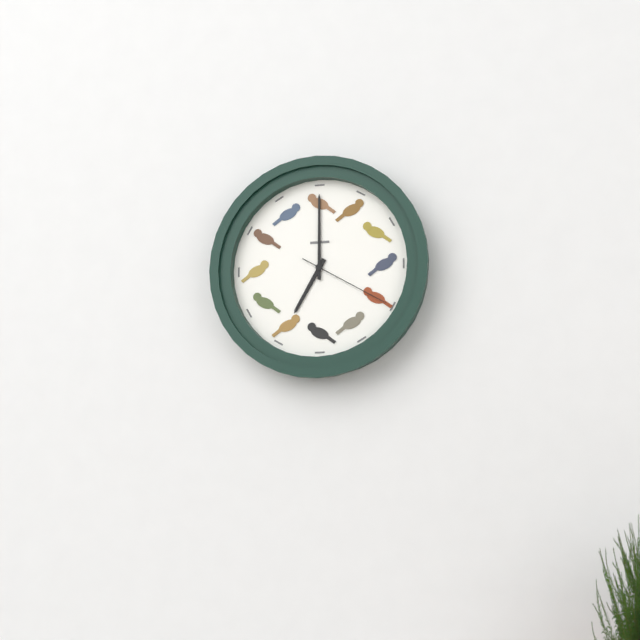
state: 7:00:20
